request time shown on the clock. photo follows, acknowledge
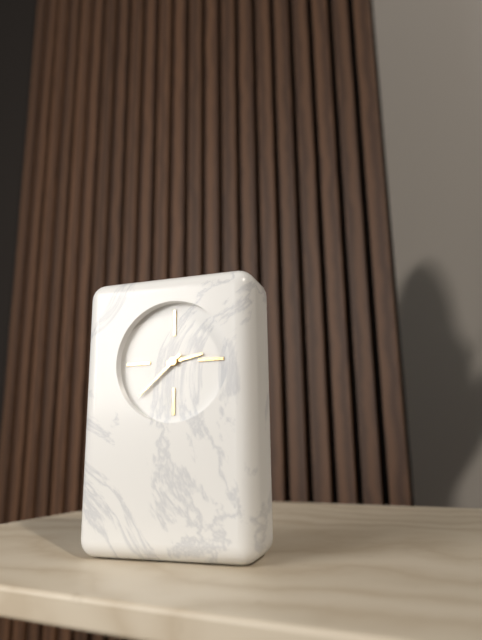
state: 2:38
